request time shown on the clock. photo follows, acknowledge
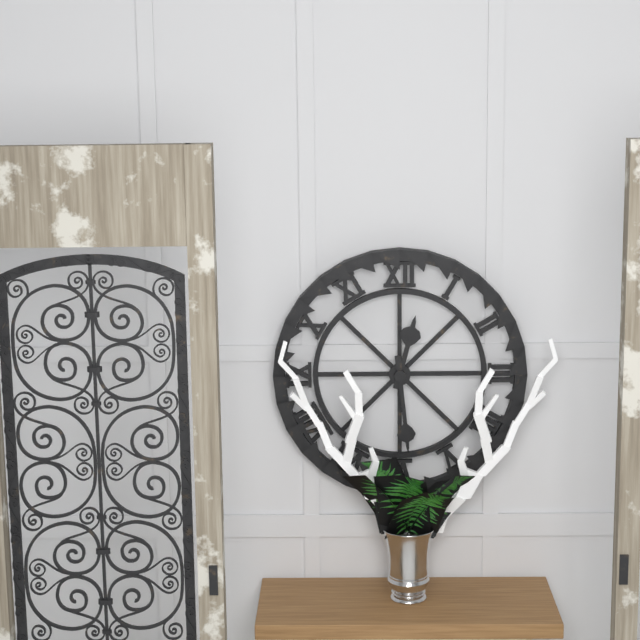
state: 12:29
